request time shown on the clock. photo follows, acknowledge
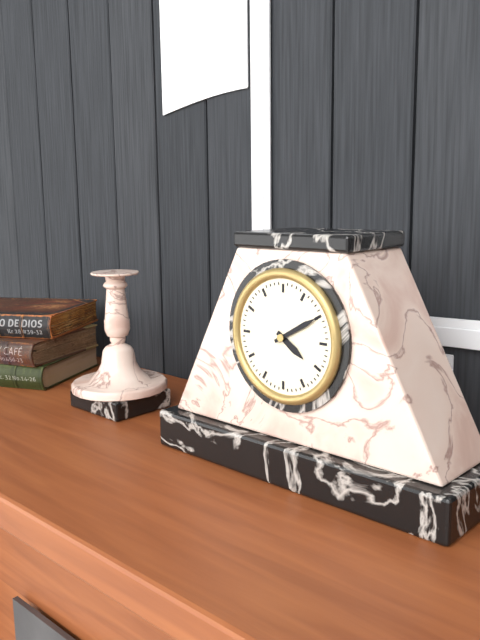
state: 4:10
